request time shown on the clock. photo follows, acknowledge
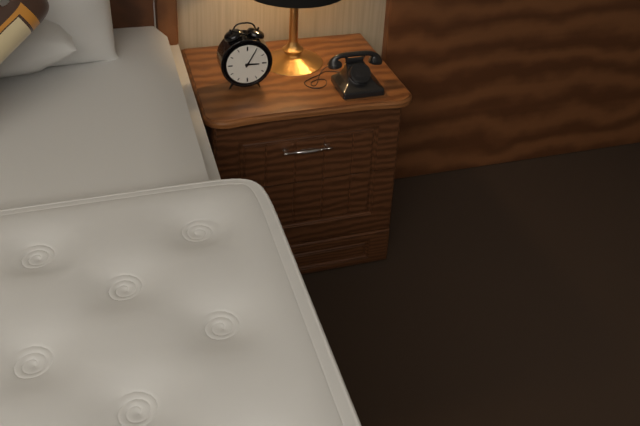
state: 3:05
